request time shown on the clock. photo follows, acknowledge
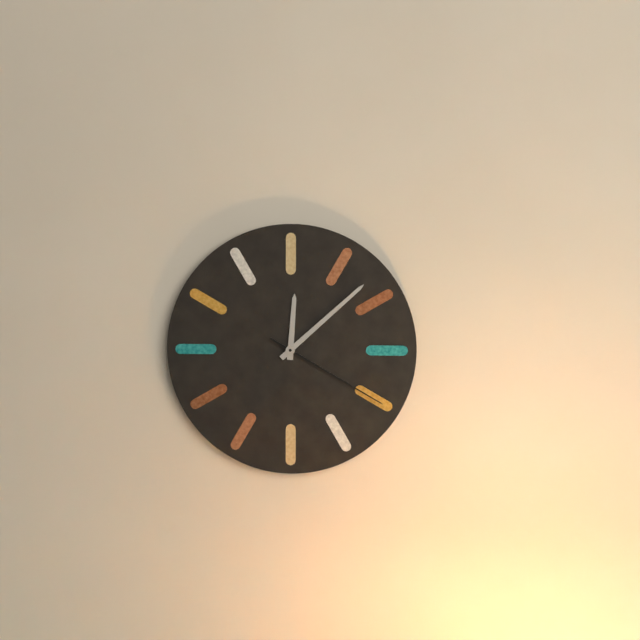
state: 12:08:20
